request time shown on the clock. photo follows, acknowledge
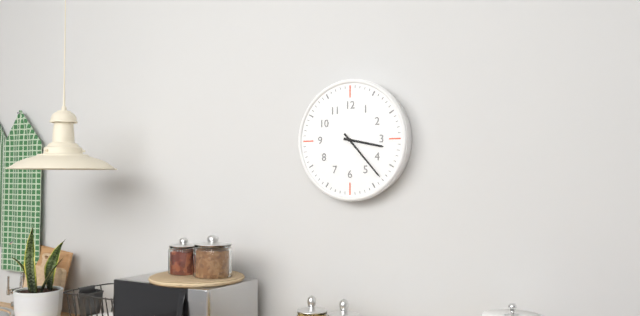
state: 3:23
